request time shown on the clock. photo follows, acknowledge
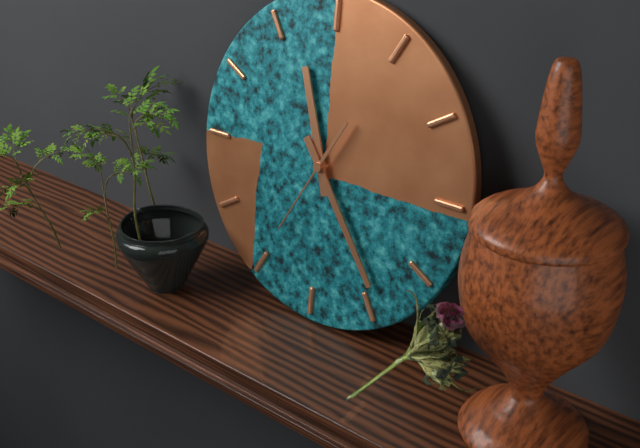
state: 11:24:35
